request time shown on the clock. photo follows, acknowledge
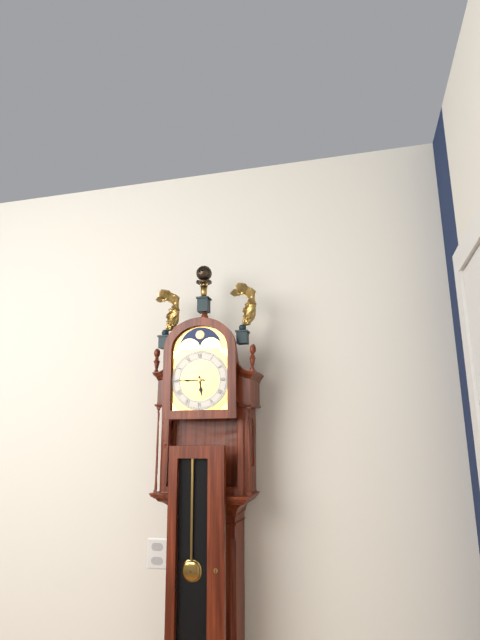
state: 5:45
